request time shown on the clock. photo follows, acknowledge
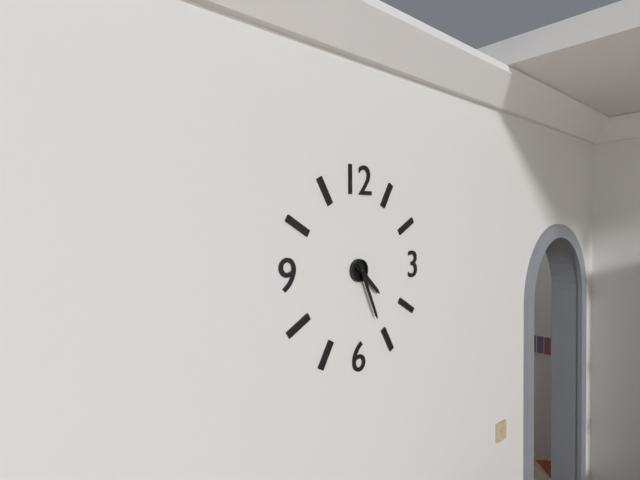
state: 4:26
